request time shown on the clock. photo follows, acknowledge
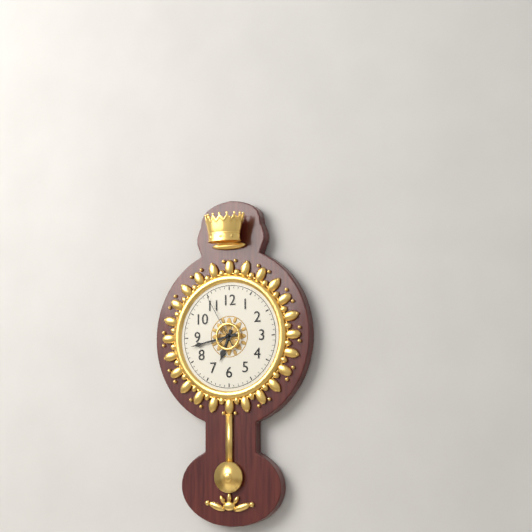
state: 6:43:55
